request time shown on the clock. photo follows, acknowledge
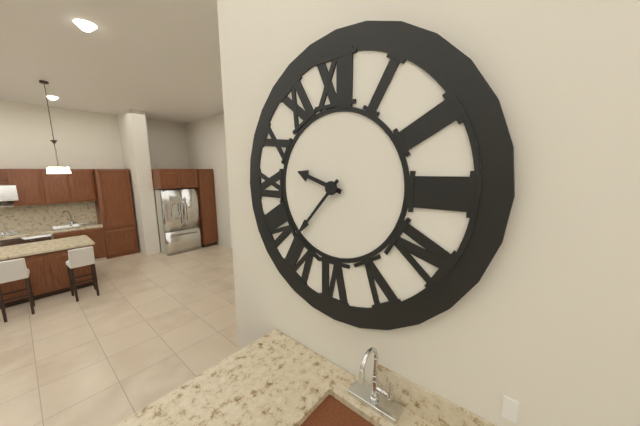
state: 9:37
